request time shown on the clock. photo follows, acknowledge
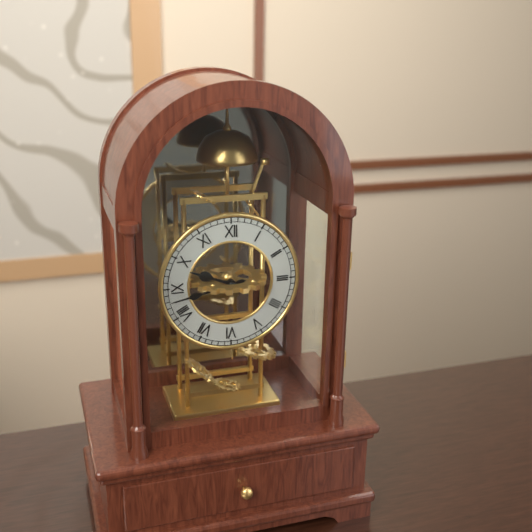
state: 9:43
